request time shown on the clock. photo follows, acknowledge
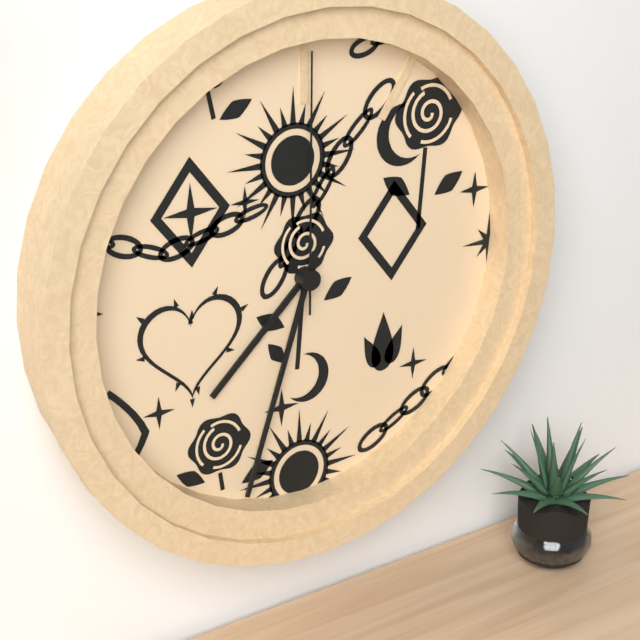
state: 7:33:00
